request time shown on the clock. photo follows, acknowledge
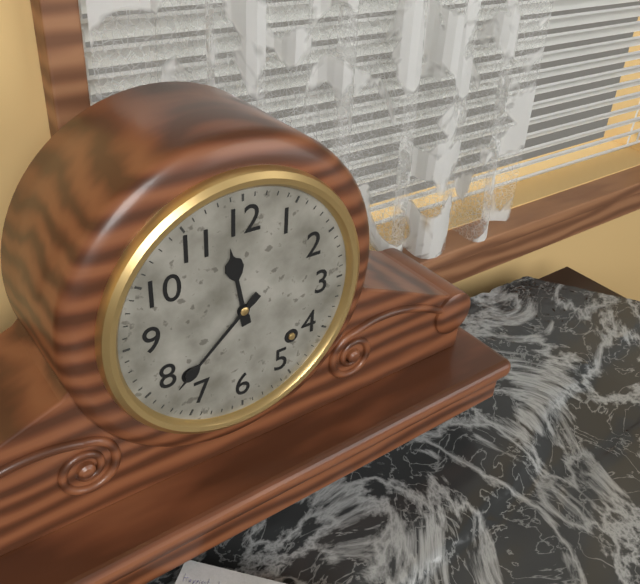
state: 11:38
